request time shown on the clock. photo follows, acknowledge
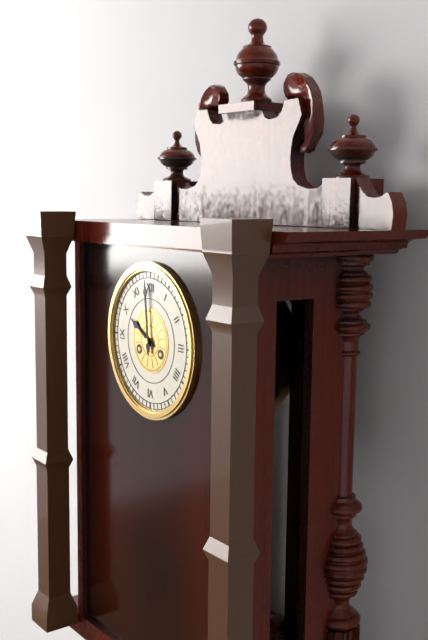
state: 9:59
